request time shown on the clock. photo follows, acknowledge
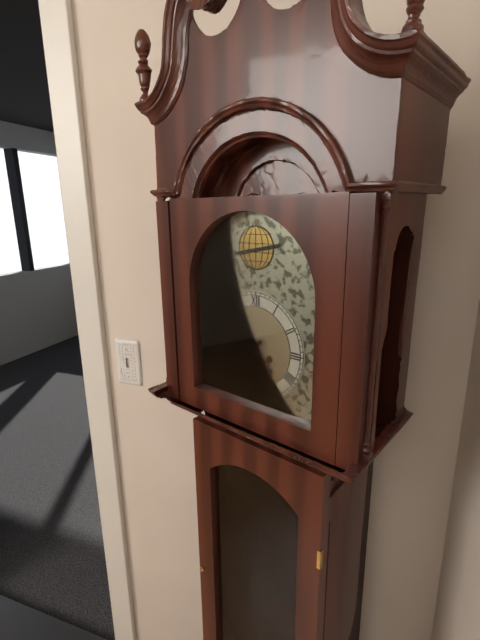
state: 4:38
